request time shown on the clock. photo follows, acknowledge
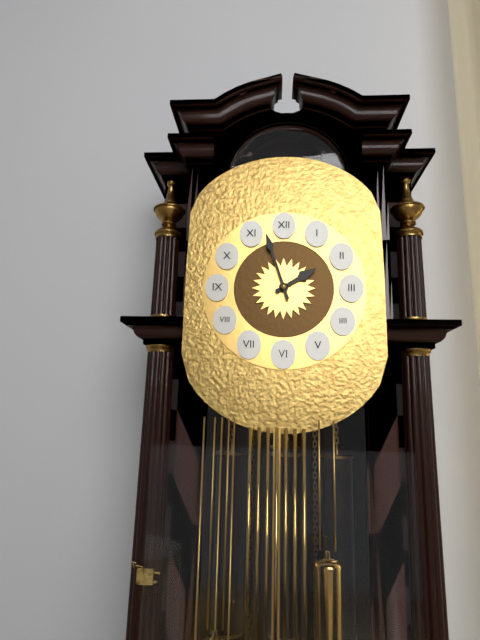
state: 1:57
